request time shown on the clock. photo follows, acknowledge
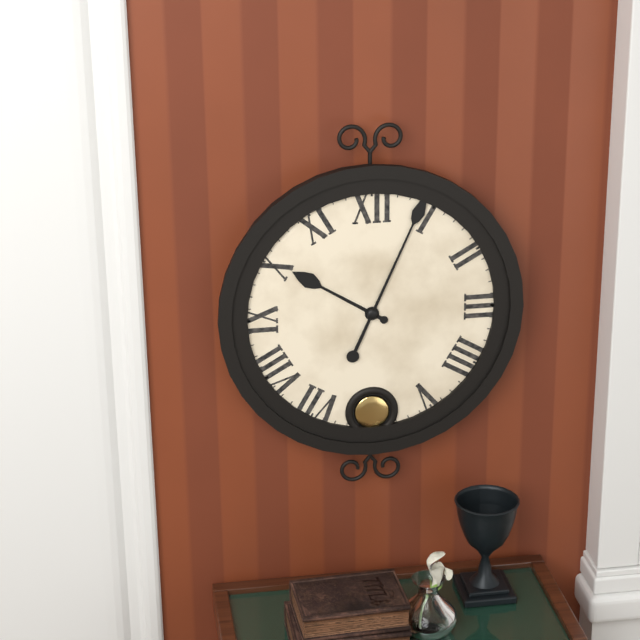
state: 10:04
